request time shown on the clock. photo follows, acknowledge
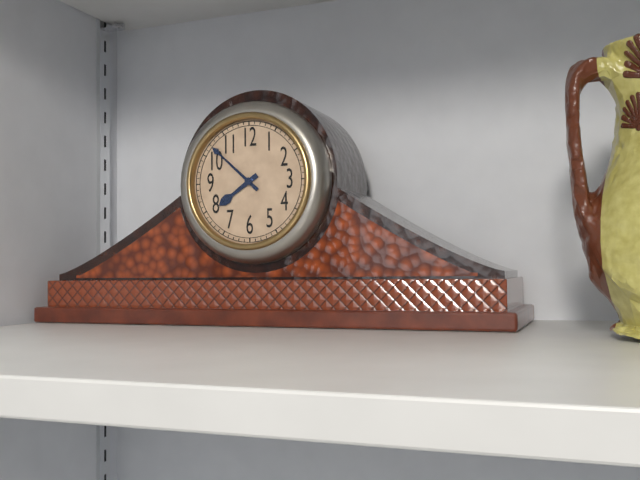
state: 7:52
